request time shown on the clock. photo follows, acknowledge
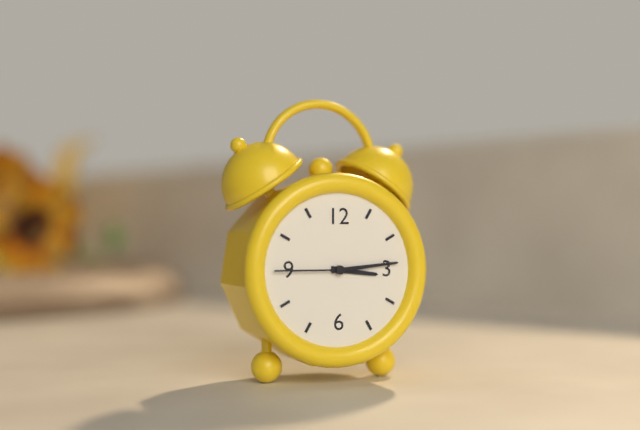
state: 3:14:45
